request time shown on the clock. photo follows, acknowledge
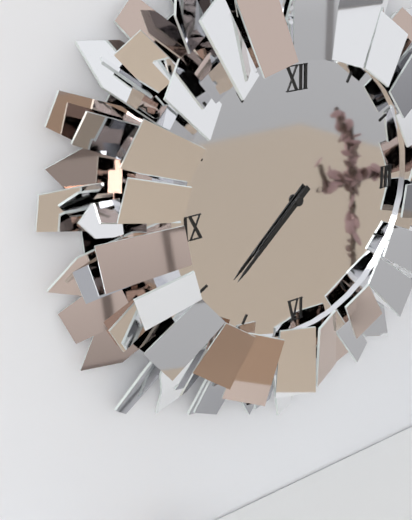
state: 7:38
